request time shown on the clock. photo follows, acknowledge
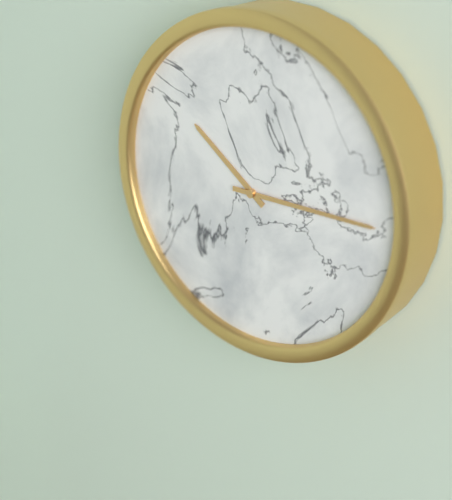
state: 10:15
